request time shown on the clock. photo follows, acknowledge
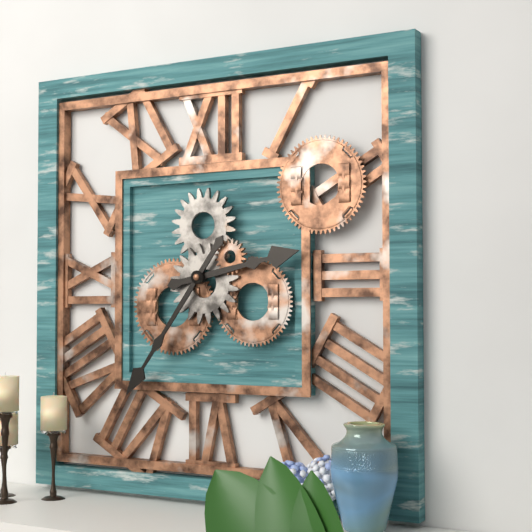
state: 2:36
